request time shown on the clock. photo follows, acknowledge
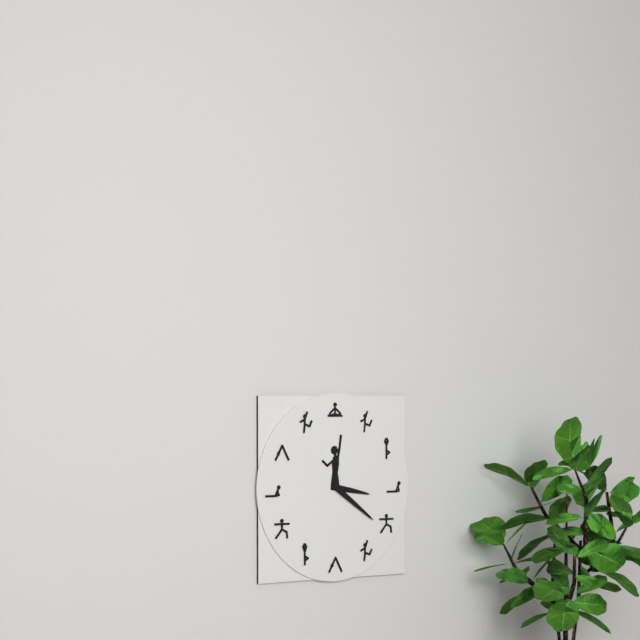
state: 3:21
